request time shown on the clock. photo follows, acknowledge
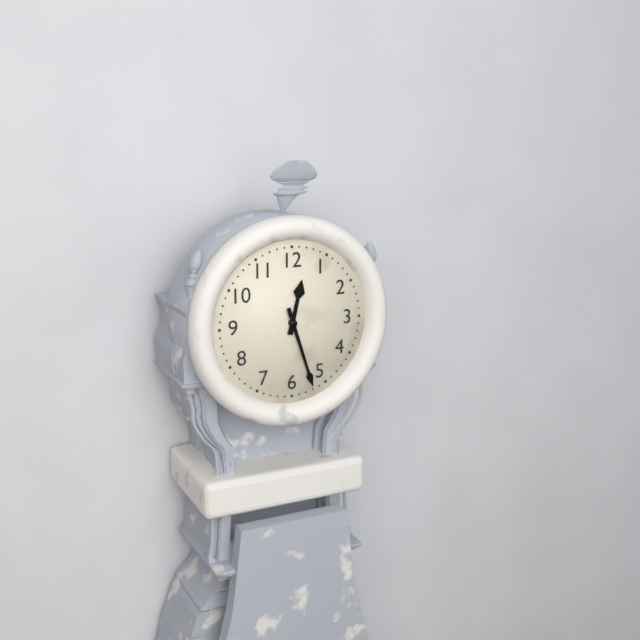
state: 12:27
